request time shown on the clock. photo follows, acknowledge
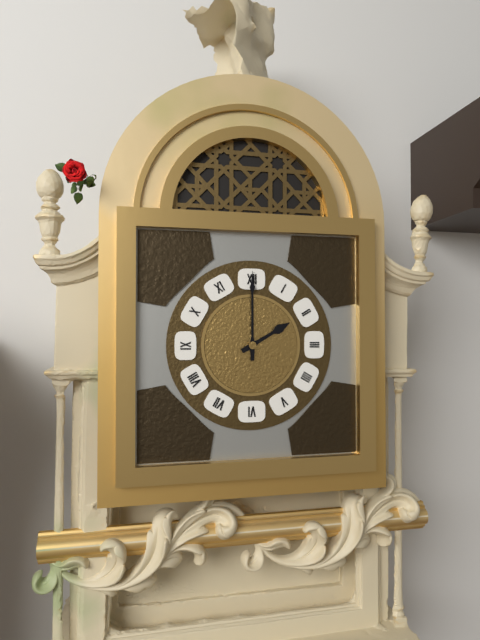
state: 2:00
